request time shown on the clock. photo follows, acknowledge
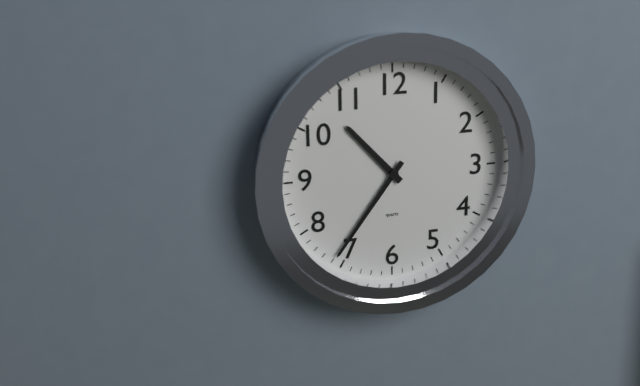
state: 10:36
